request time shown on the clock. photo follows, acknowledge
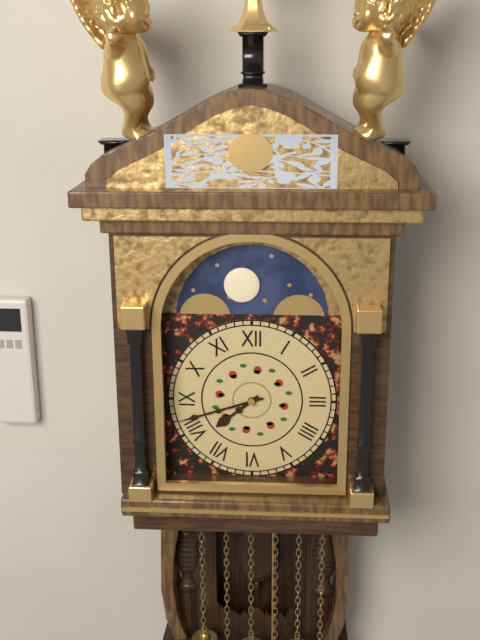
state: 7:42
